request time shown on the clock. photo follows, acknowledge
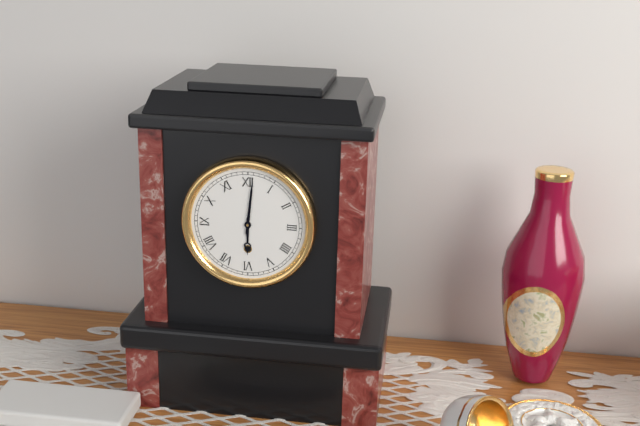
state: 6:01
